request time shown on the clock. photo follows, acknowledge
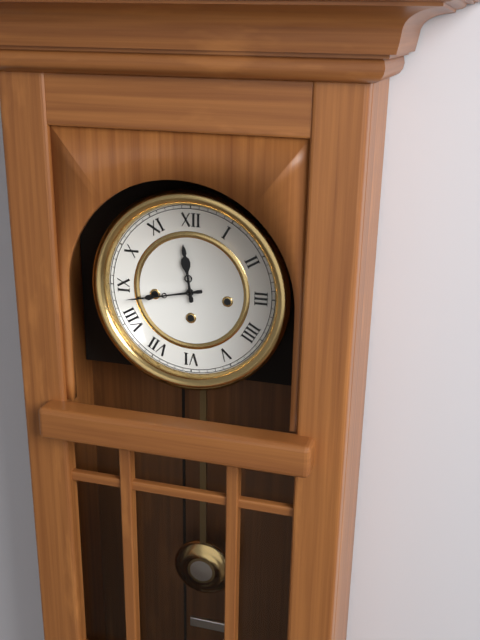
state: 11:43
